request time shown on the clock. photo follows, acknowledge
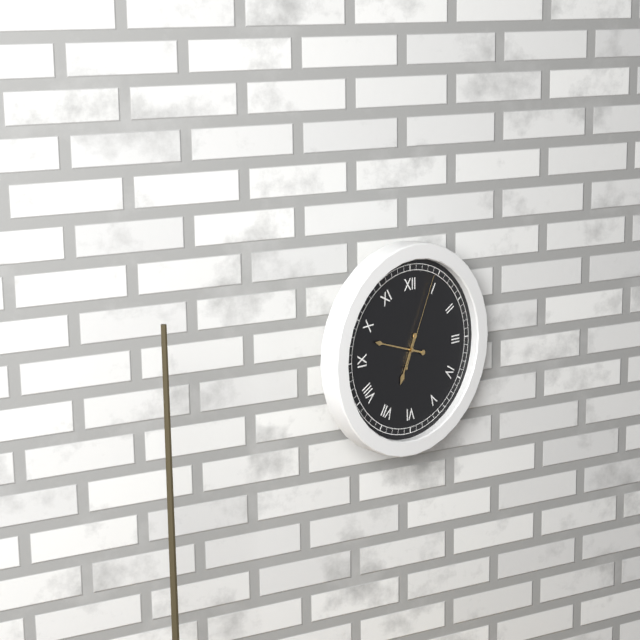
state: 6:48:04
